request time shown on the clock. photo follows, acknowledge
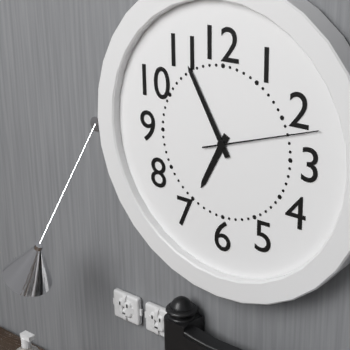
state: 6:55:12
